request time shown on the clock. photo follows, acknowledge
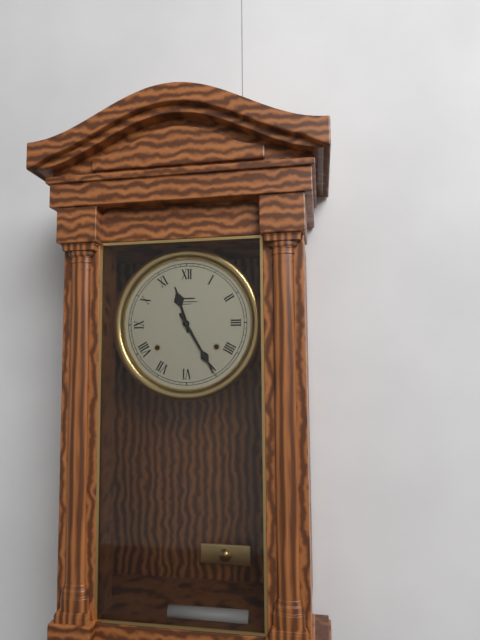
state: 11:25
